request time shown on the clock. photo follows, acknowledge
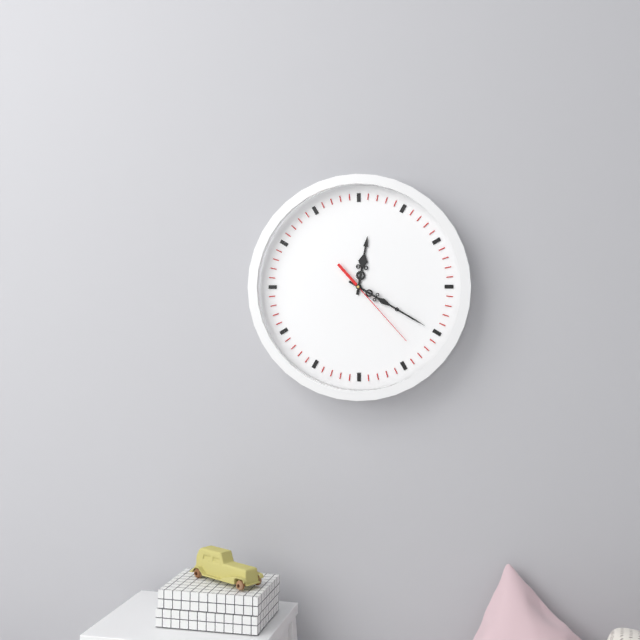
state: 12:20:23
